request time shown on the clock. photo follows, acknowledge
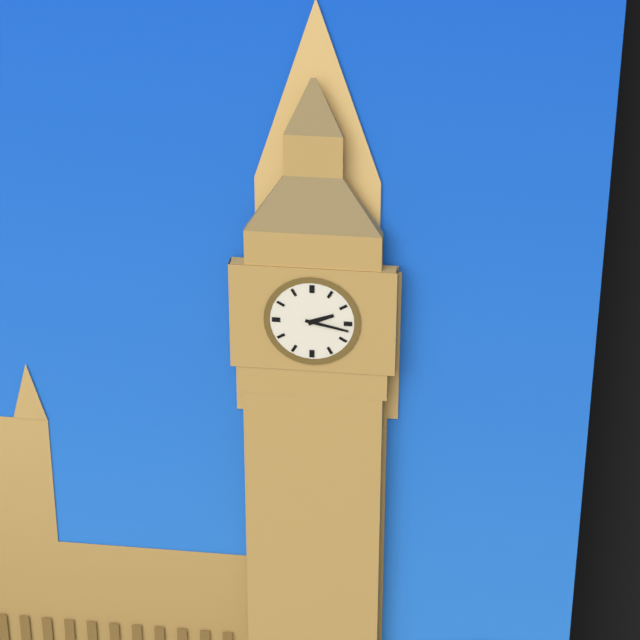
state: 2:17
